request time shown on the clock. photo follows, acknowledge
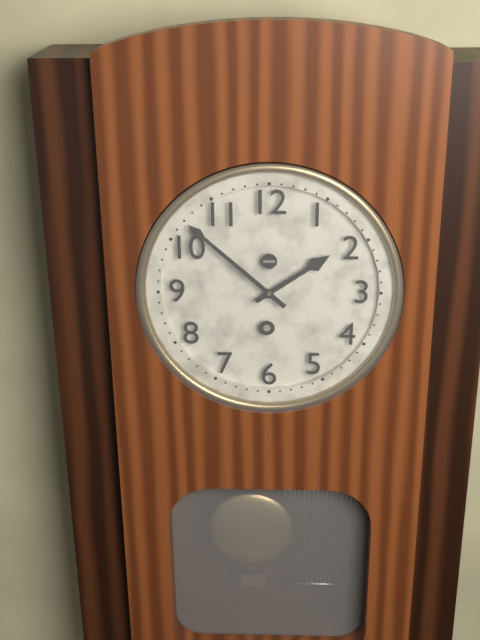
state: 1:52
